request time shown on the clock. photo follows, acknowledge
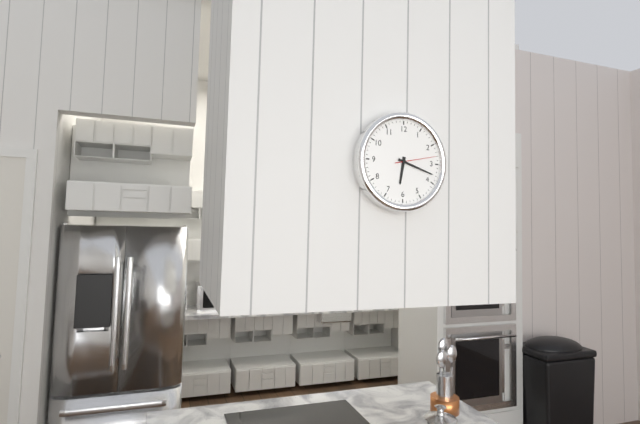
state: 6:18
